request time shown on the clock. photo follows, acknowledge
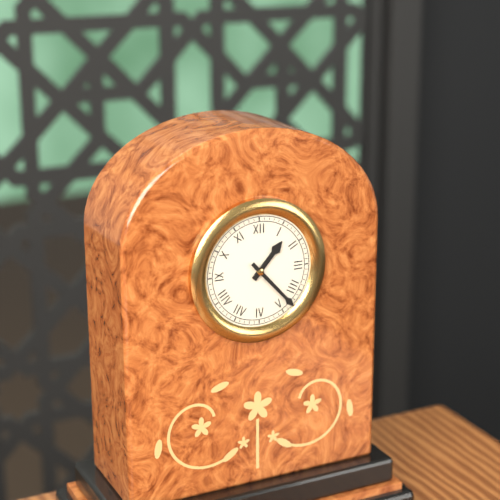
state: 1:23
